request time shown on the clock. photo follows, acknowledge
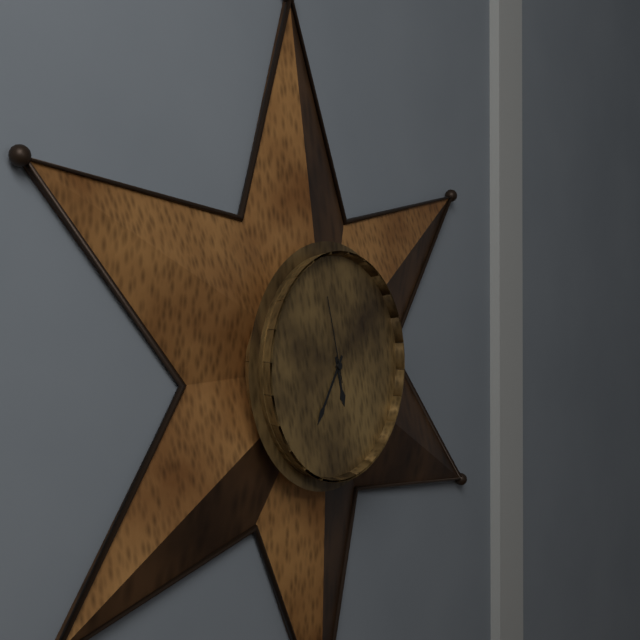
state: 5:36:58
